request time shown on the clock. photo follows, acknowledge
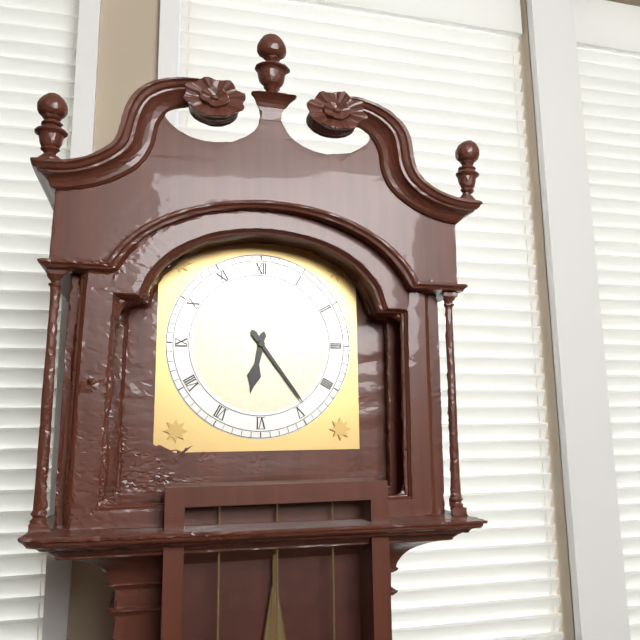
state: 6:24
